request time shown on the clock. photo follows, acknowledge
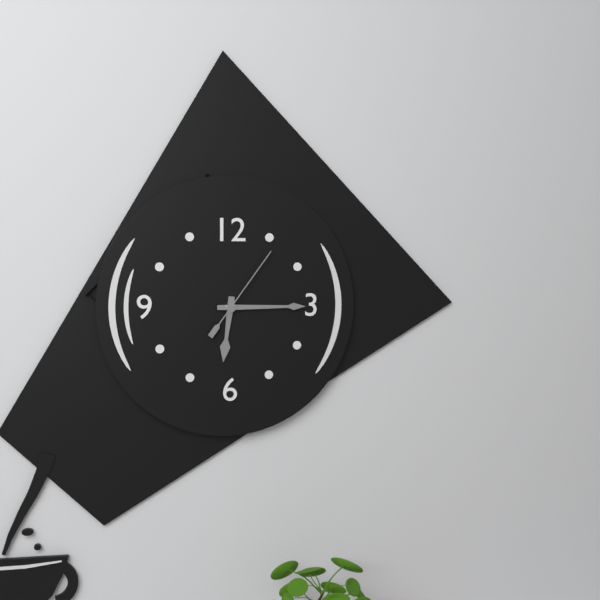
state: 6:15:06
